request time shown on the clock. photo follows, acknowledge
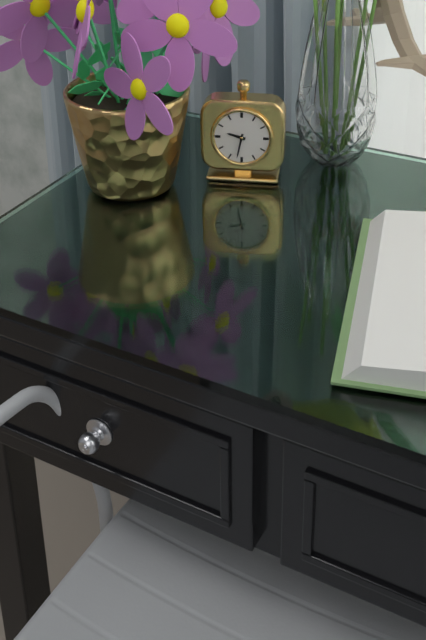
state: 9:32
